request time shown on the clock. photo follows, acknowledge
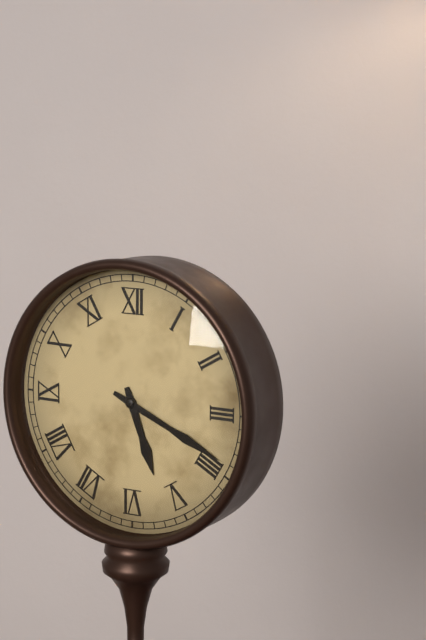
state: 5:19
